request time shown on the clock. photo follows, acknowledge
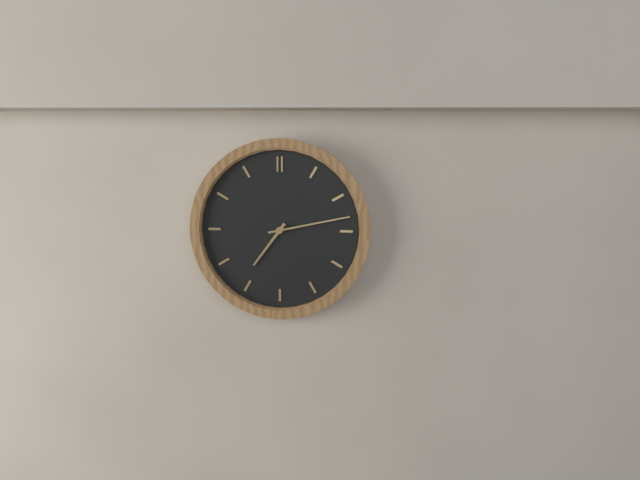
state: 7:13
